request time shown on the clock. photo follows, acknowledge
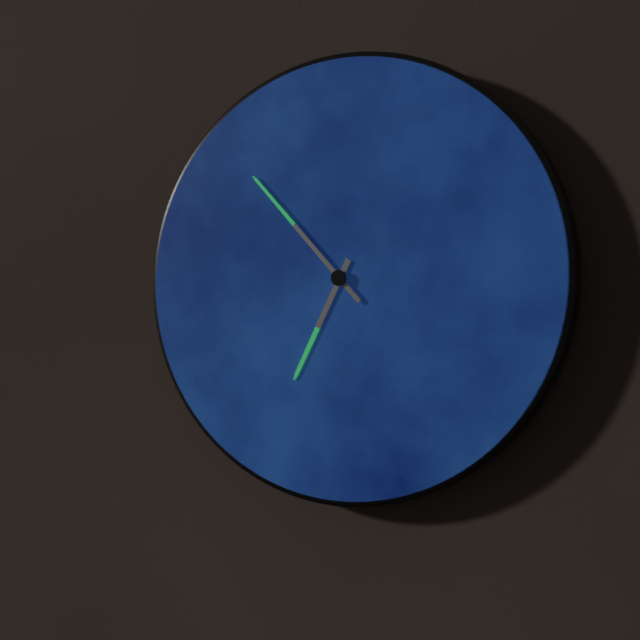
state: 6:53
